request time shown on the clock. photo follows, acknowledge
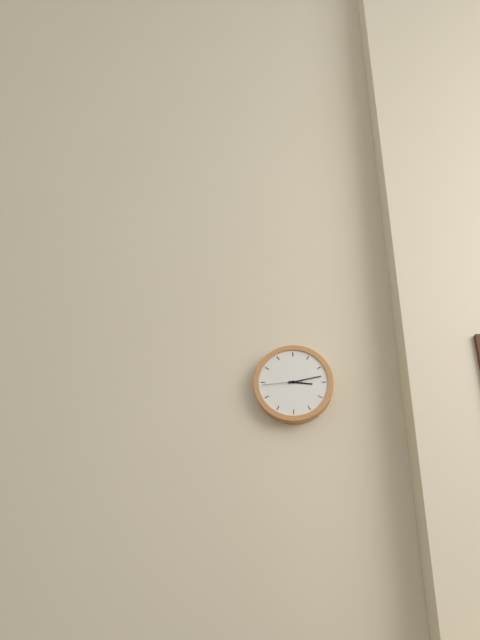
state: 3:13
